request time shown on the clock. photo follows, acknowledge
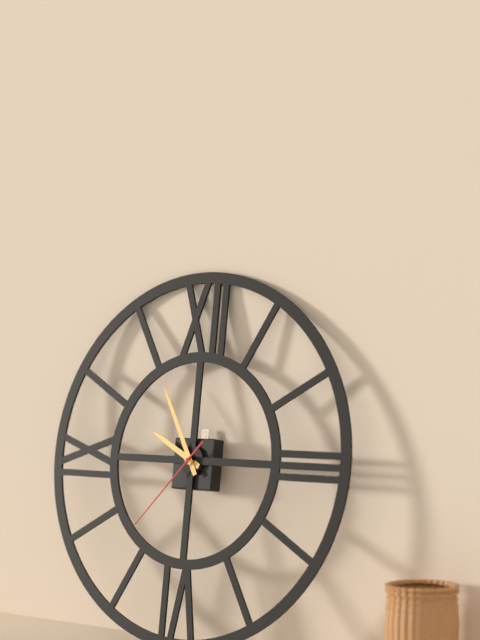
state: 9:55:37
